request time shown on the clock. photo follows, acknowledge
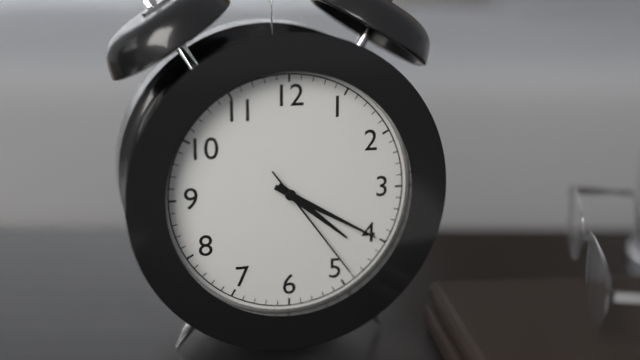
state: 4:20:24
